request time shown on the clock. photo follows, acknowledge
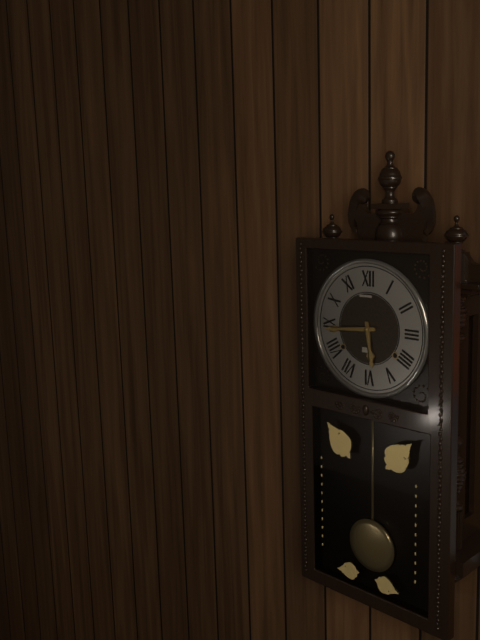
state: 5:44
